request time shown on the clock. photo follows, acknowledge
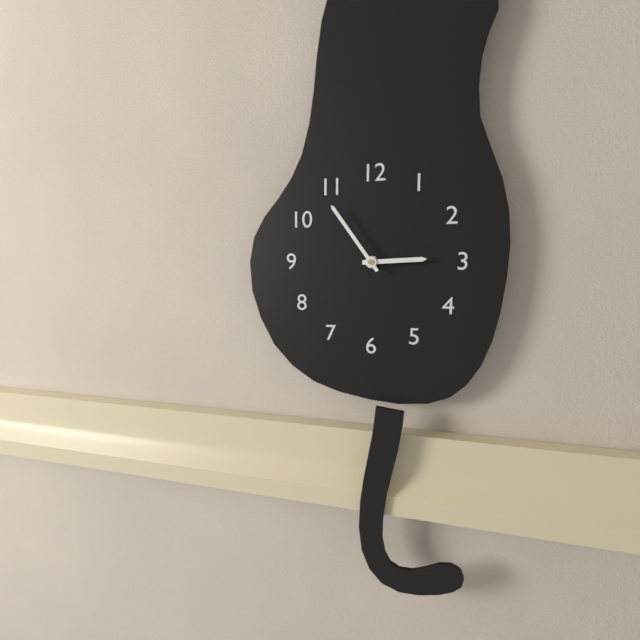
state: 2:54
